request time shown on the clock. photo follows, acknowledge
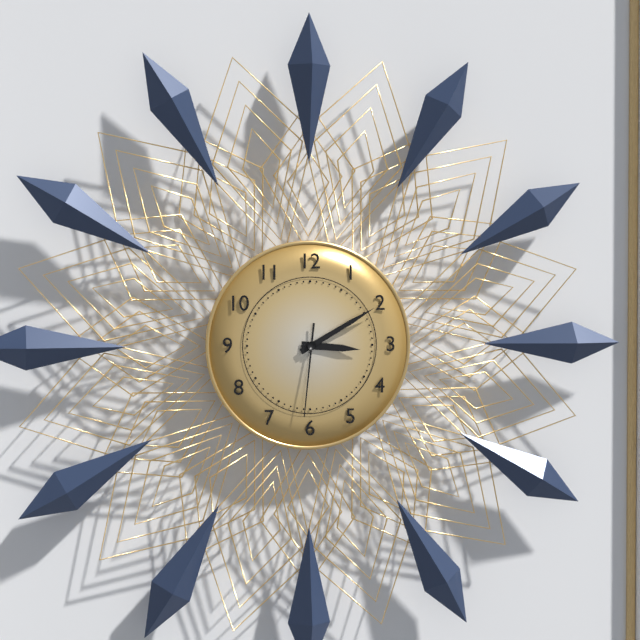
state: 3:10:31
